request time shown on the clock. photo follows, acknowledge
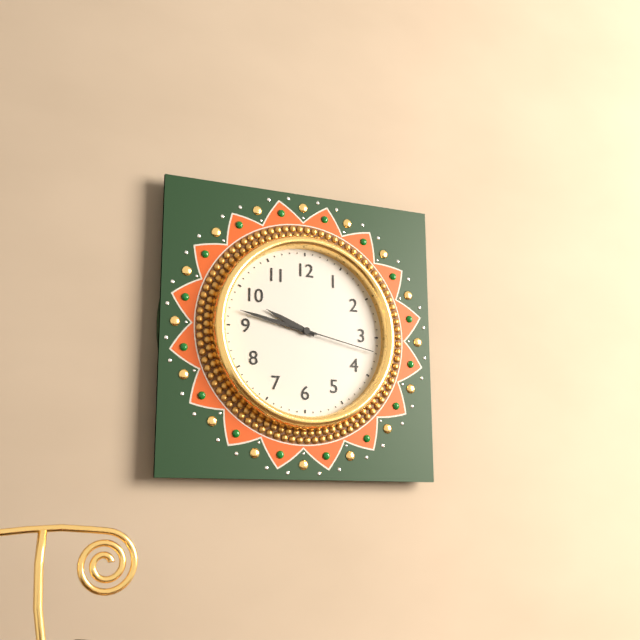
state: 9:47:17
